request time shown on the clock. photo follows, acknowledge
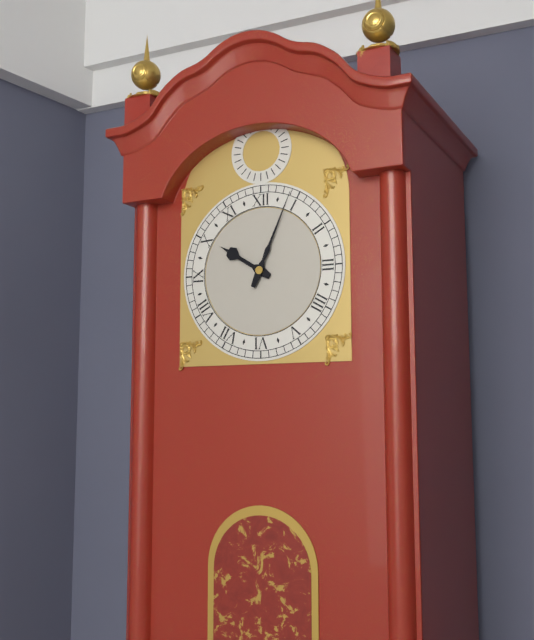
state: 10:04
